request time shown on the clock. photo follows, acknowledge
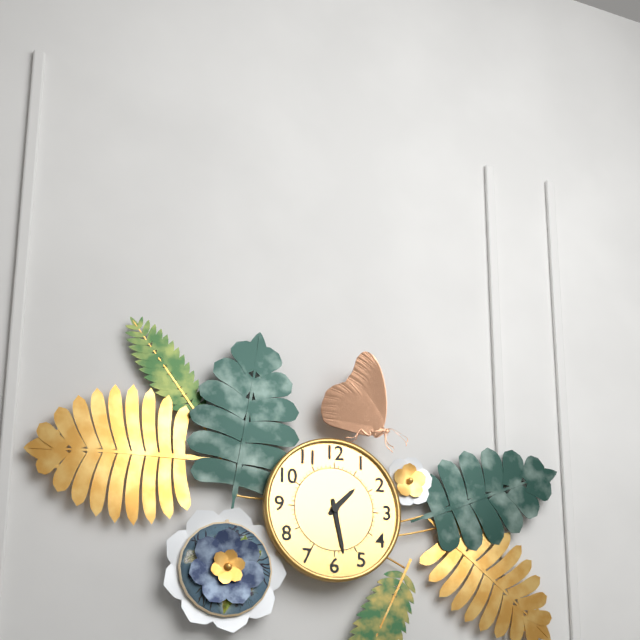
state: 1:28
